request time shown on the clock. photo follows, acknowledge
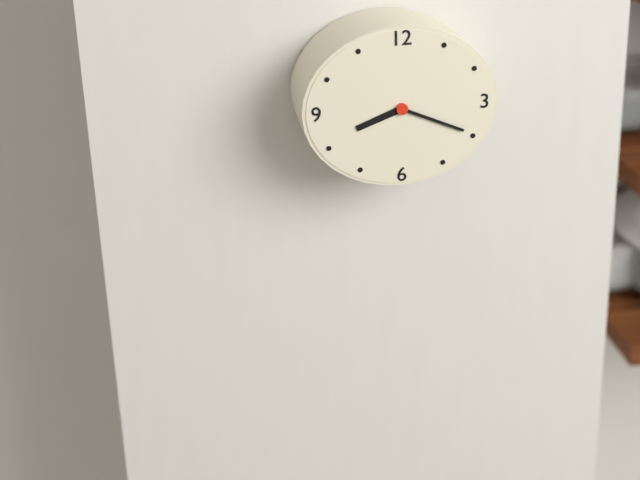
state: 8:19
